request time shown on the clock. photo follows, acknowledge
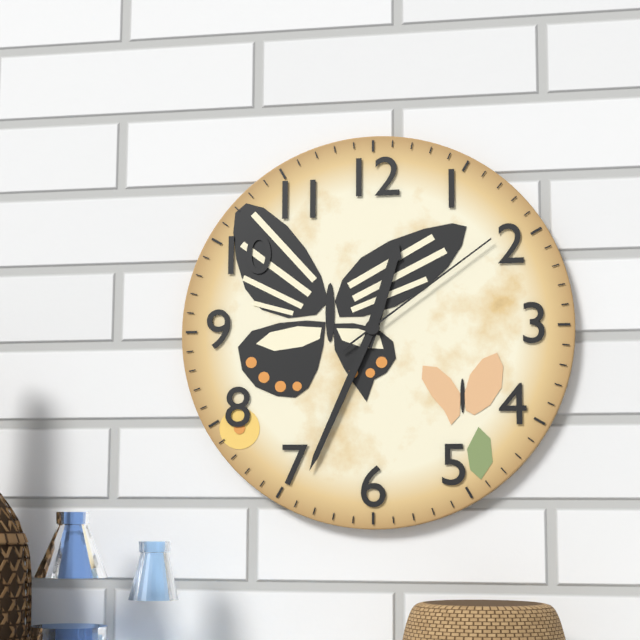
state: 12:34:09
